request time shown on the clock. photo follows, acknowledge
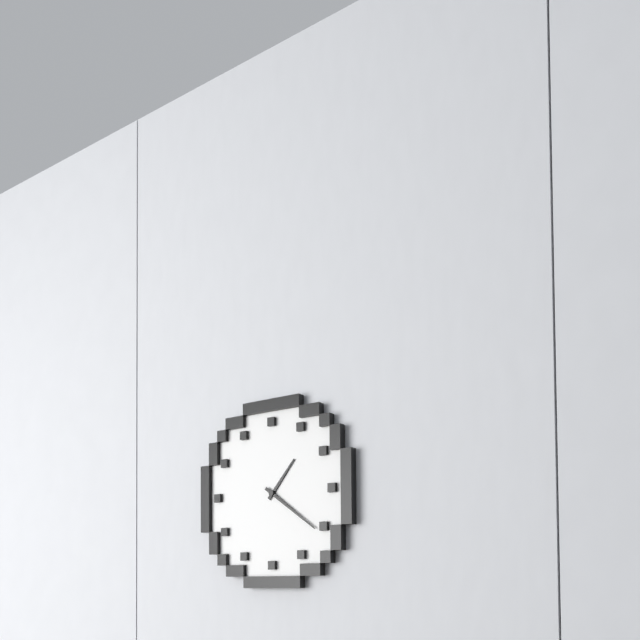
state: 1:21
